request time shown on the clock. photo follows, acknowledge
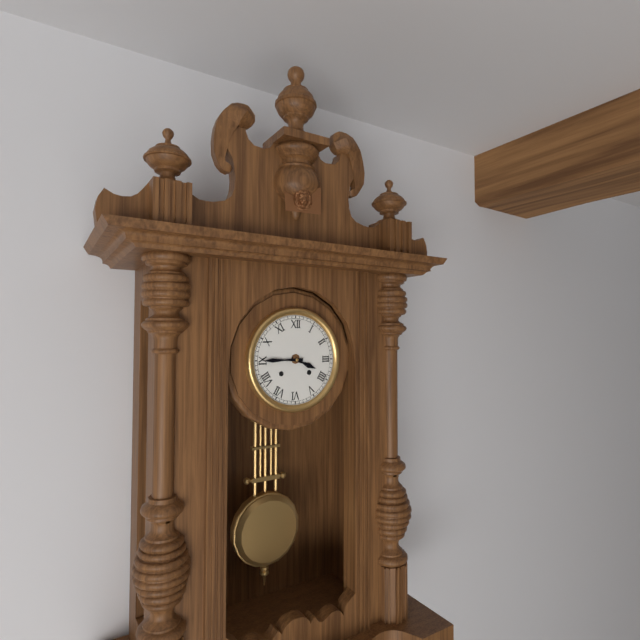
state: 3:45
